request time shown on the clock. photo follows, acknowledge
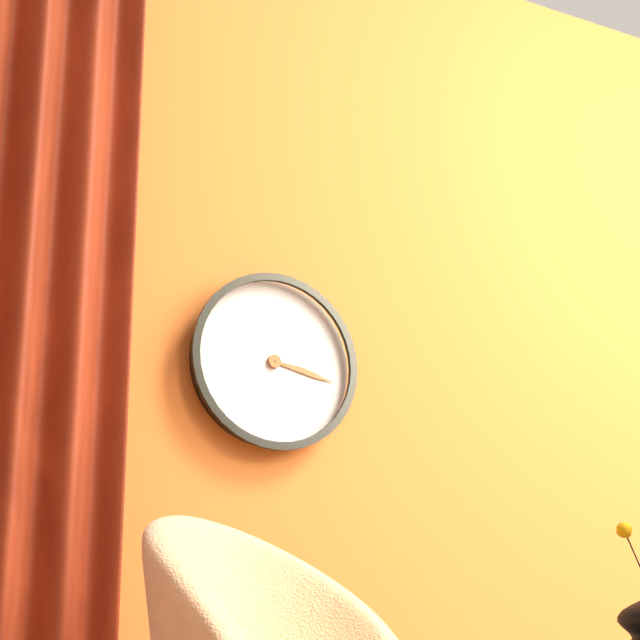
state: 3:17
